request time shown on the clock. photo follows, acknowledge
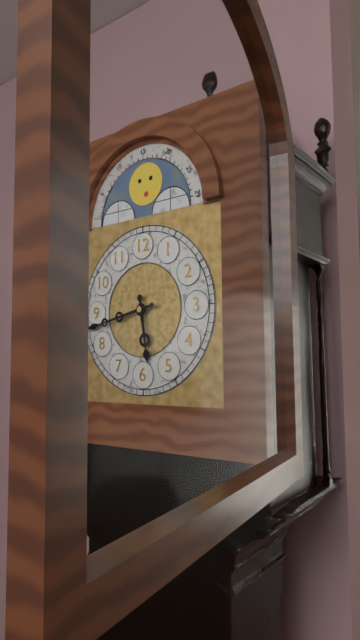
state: 5:43
